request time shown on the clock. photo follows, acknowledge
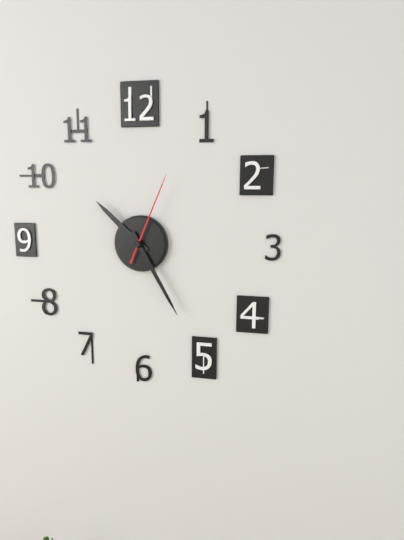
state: 10:25:04
